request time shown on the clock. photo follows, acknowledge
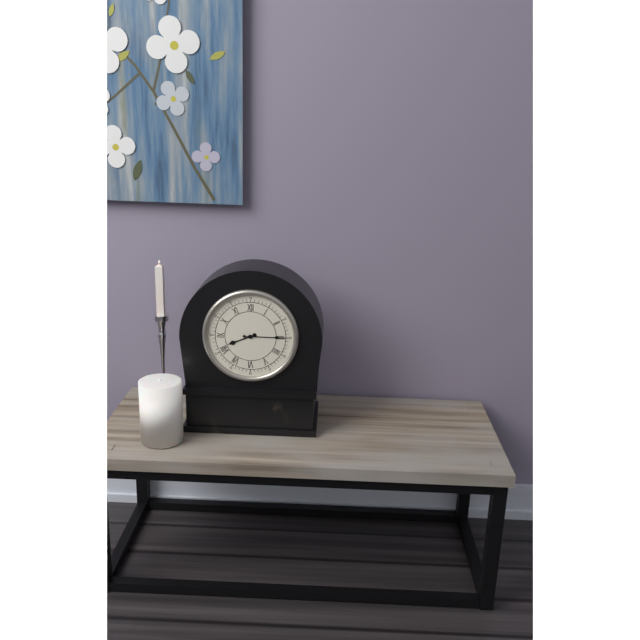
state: 8:15
